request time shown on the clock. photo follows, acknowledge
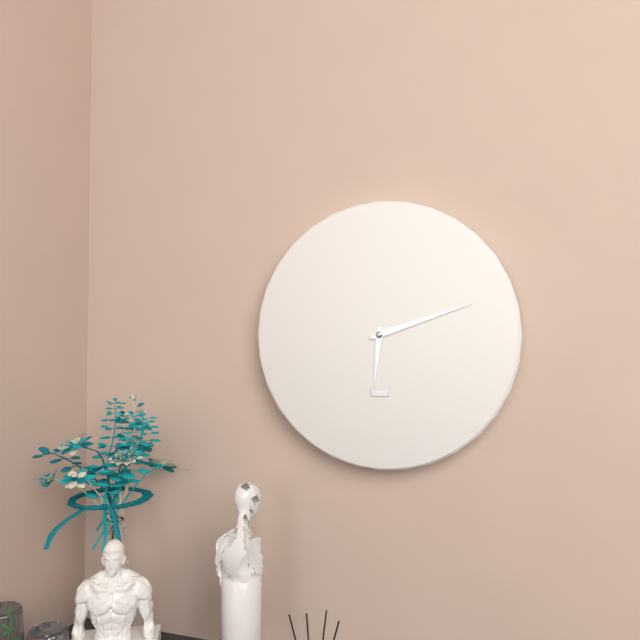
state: 6:12
